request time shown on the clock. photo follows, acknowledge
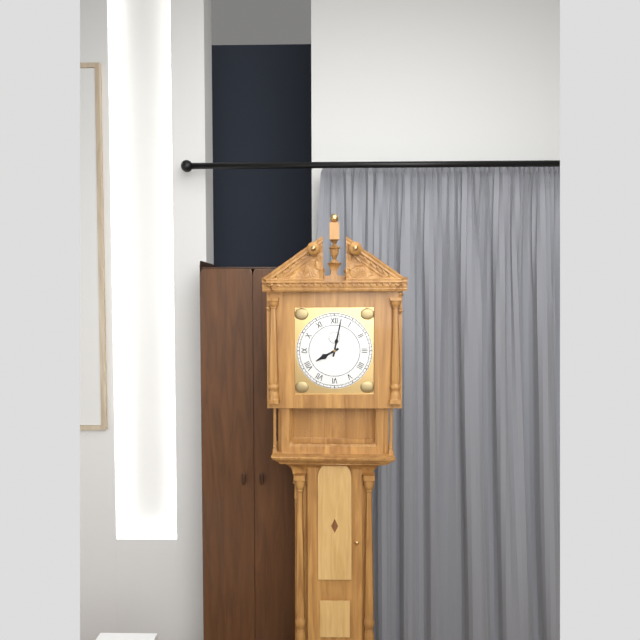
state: 8:02
